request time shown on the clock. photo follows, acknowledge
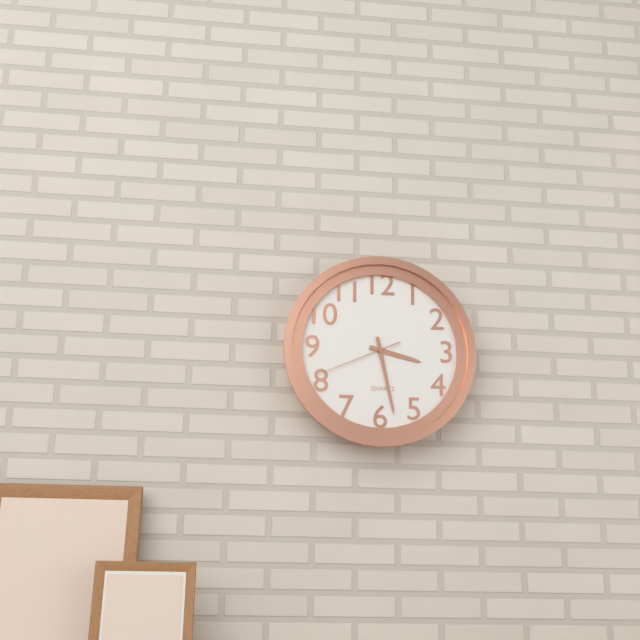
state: 3:28:41
